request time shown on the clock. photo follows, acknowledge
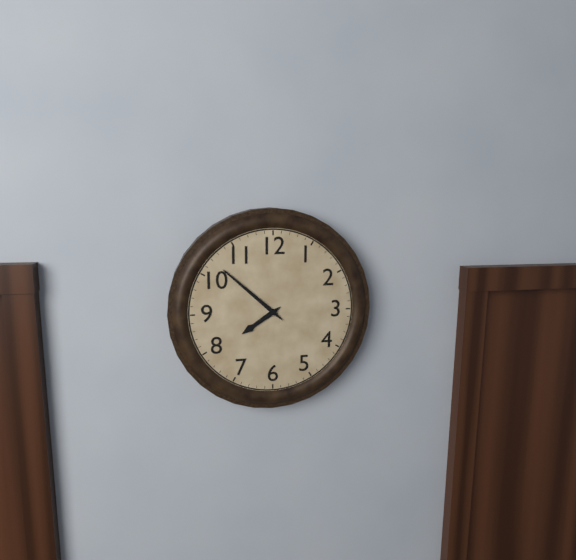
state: 7:52
